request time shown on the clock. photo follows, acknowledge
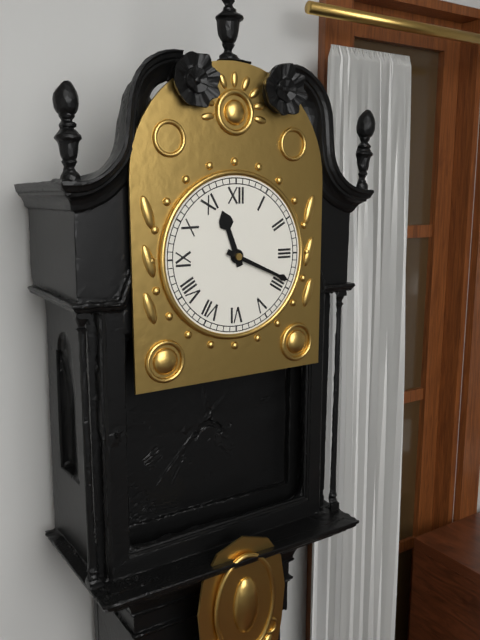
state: 11:19
